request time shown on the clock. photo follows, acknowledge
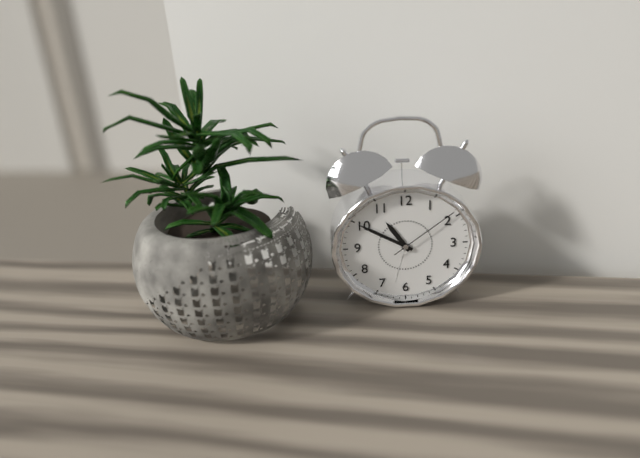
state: 10:50:09
